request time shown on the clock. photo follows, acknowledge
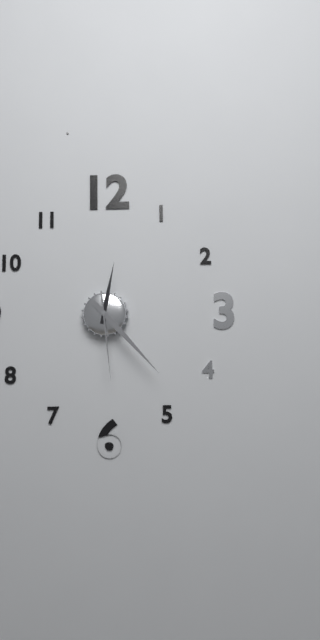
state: 12:23:29
